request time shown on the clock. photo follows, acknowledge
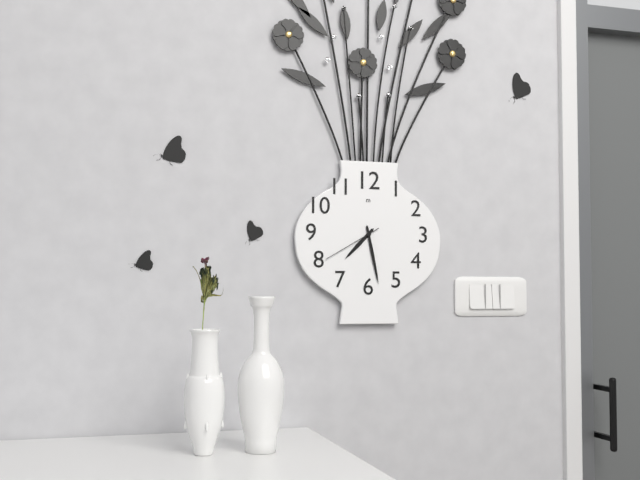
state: 7:28:40
